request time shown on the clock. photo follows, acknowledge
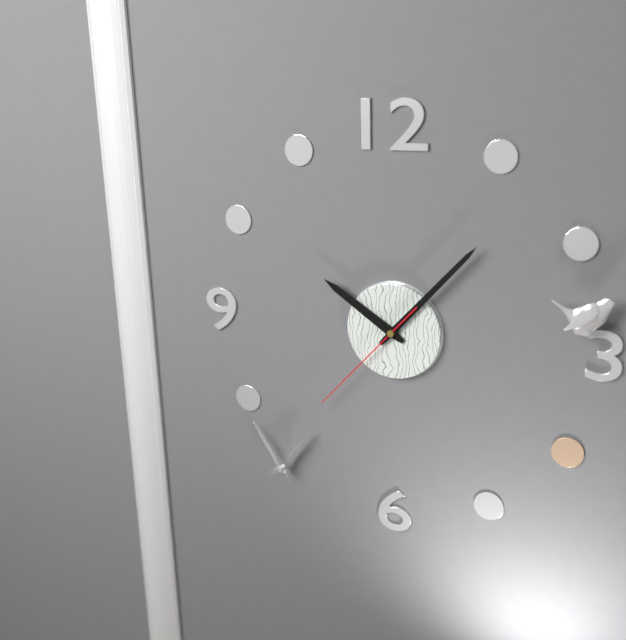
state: 10:07:37
